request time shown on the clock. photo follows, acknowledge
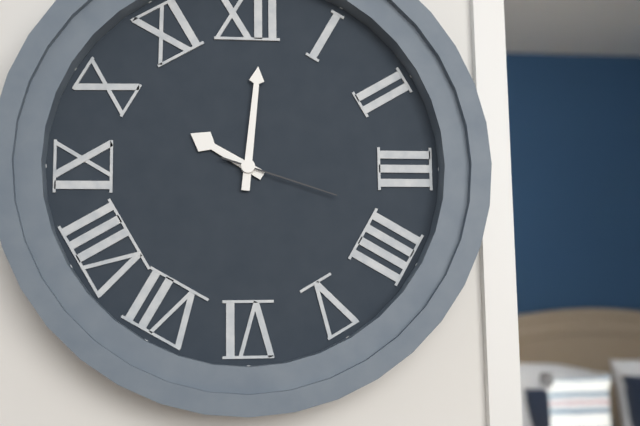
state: 10:01:18
